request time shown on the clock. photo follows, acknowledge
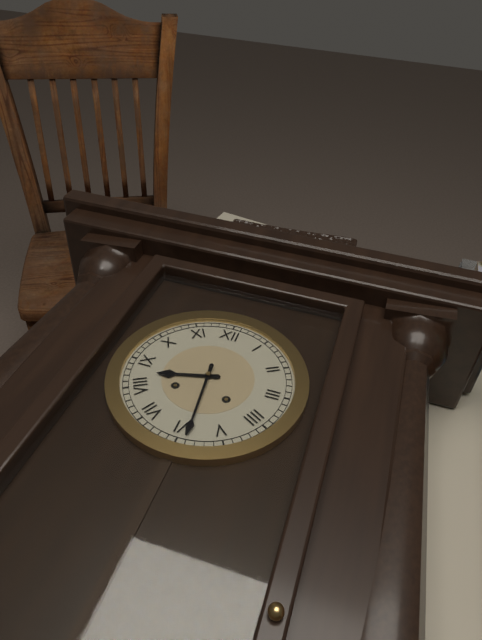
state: 8:29
